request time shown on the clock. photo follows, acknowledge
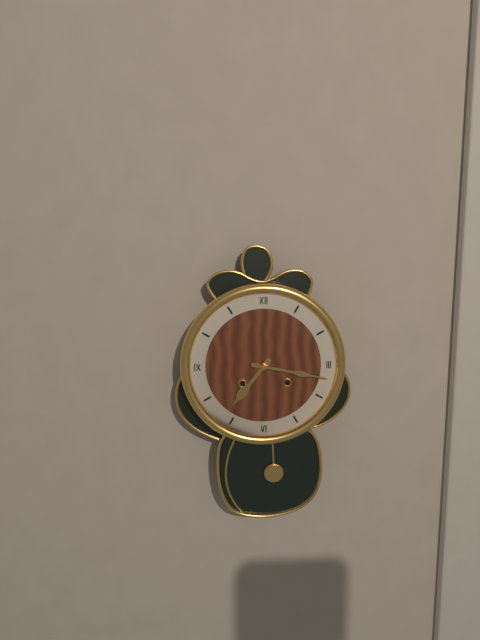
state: 7:17
